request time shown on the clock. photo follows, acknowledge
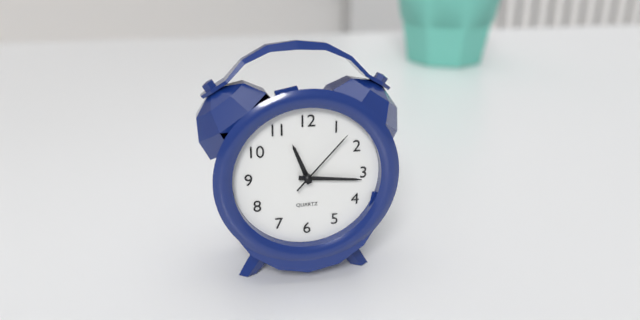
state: 11:16:07
